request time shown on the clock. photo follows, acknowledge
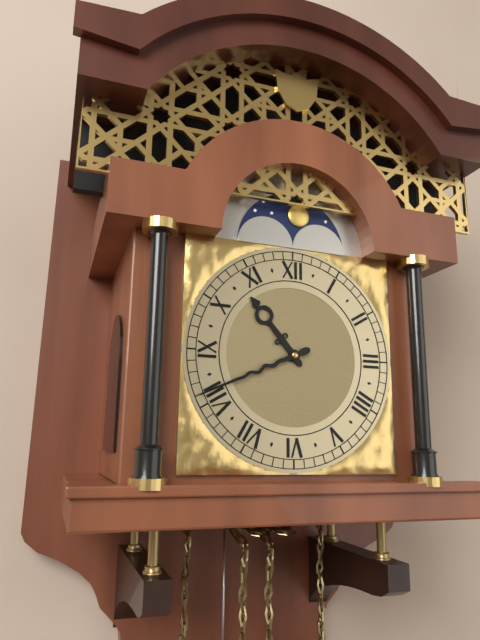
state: 10:41
